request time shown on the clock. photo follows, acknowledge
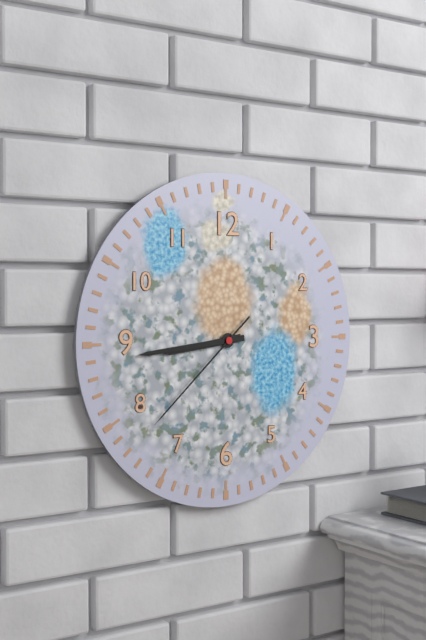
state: 8:44:38
